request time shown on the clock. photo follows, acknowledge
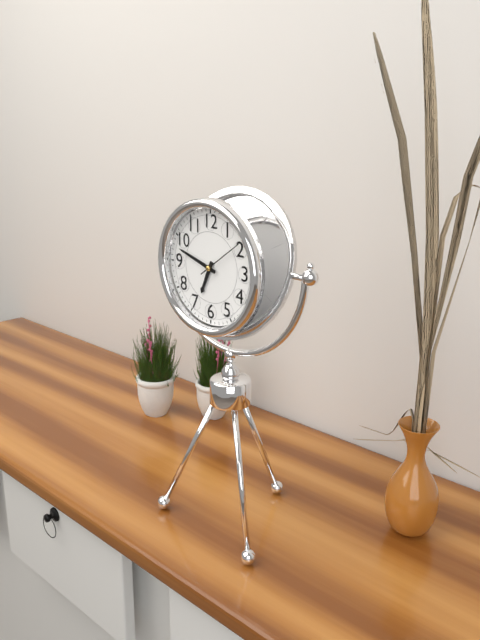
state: 6:48
